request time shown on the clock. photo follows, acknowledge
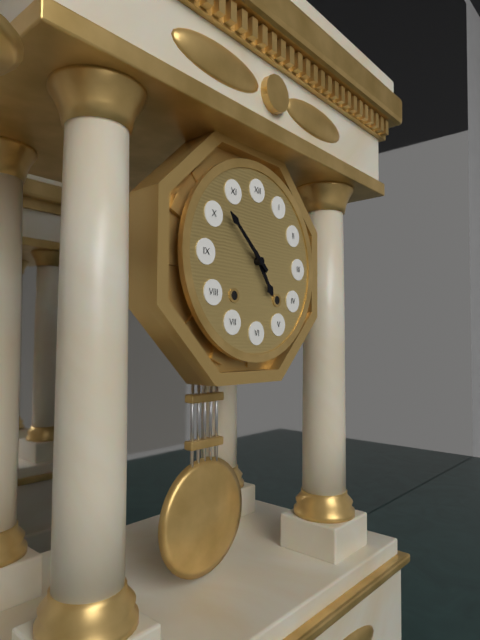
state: 4:52
